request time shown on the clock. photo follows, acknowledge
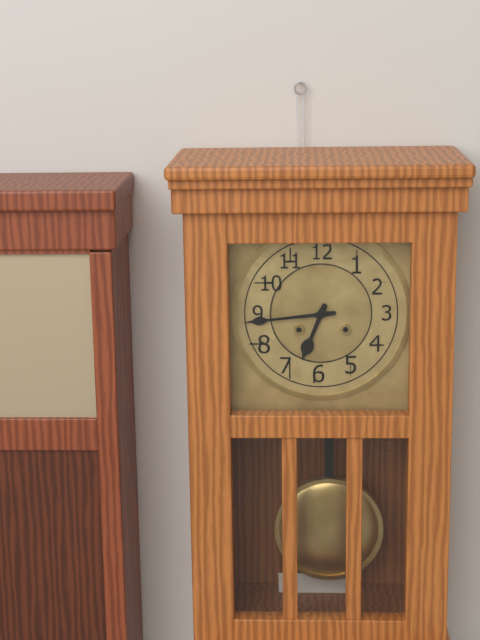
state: 6:44
